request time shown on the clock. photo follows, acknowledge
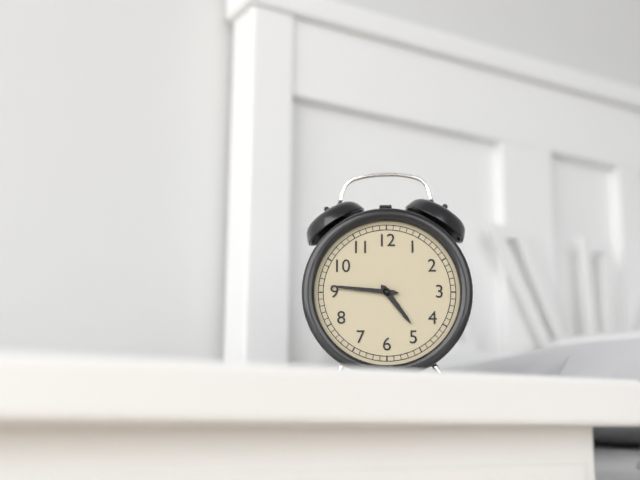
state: 4:46
